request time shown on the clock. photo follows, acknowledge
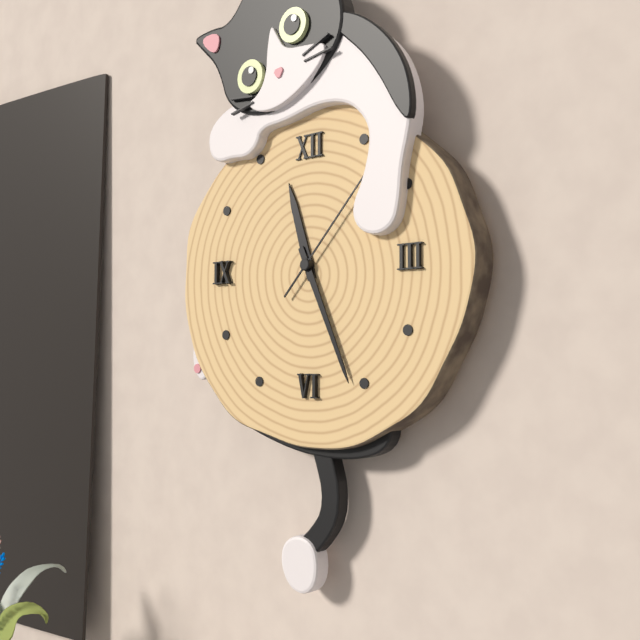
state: 11:26:07
